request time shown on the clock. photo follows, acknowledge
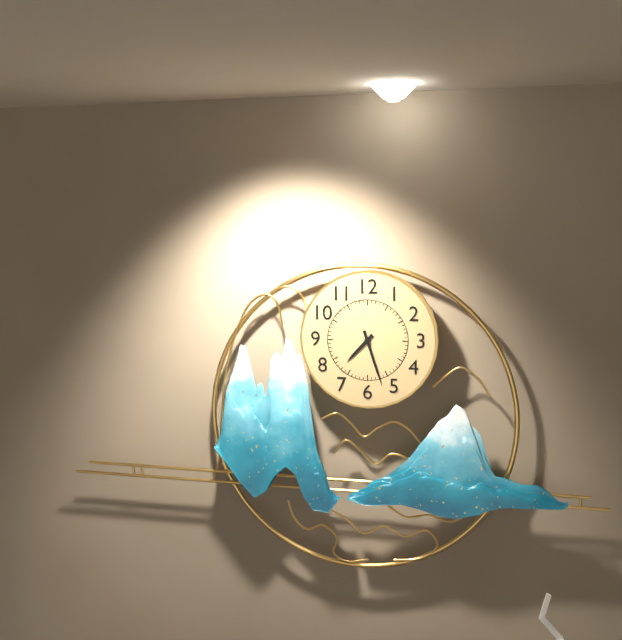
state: 7:27
